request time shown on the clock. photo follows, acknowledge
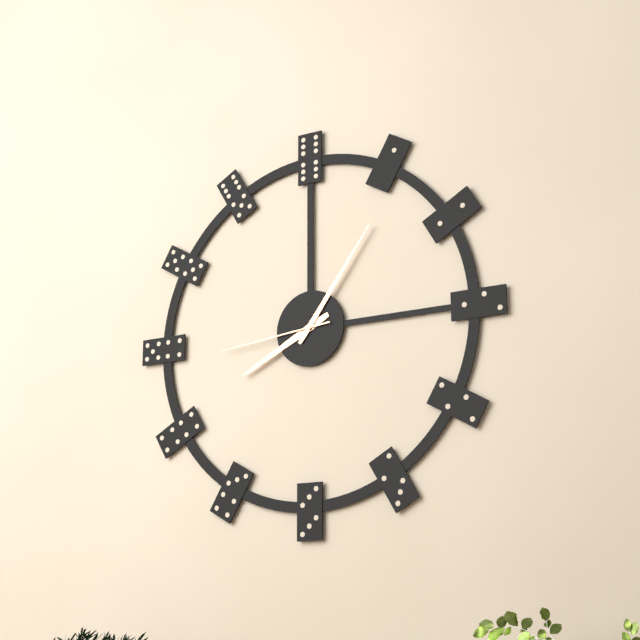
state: 8:06:44
